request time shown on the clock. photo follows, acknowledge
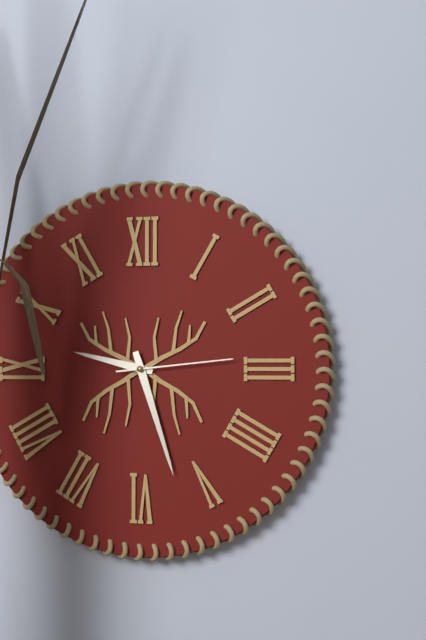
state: 9:27:14
